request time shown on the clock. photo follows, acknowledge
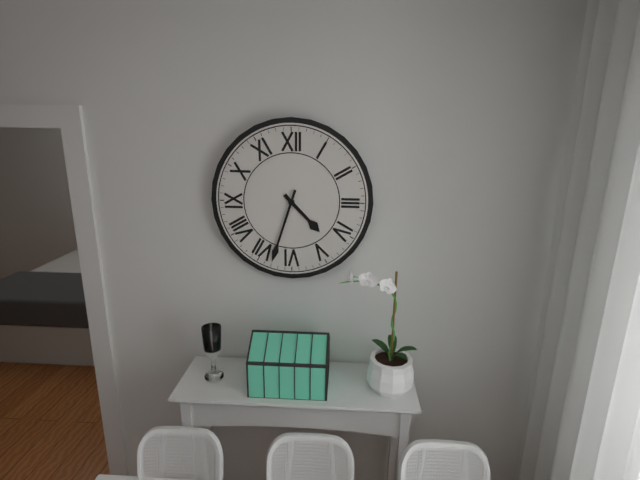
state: 4:33
